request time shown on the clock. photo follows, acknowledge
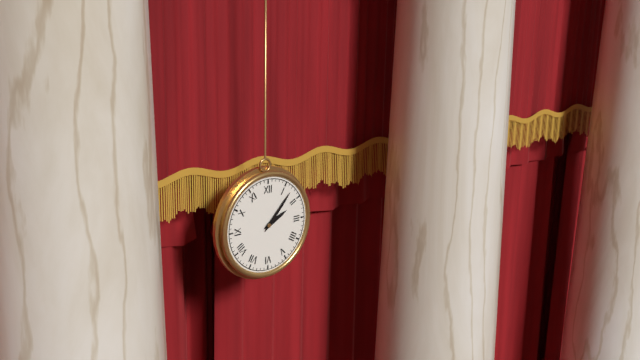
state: 2:07
